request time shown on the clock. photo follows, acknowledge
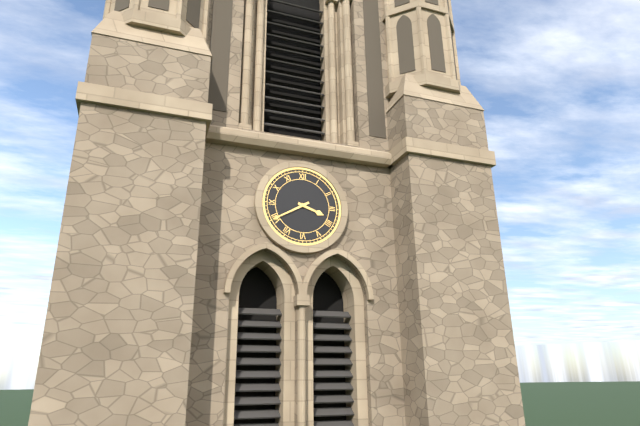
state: 3:40
